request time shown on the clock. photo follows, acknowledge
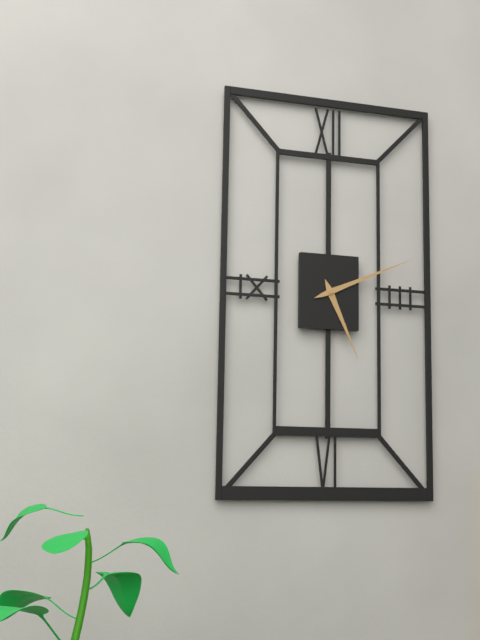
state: 5:11
